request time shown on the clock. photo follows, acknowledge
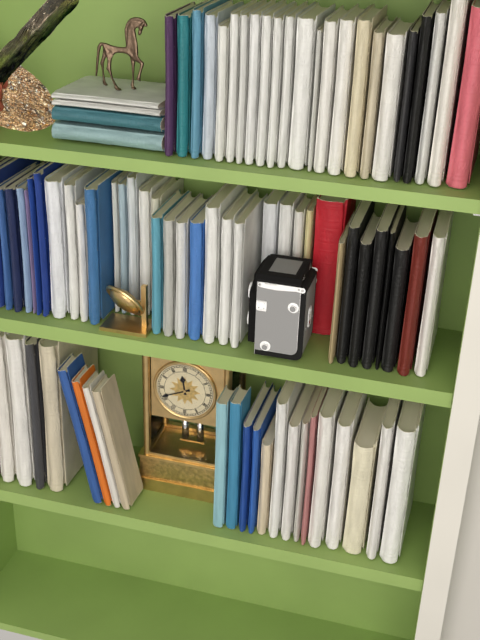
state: 11:41
